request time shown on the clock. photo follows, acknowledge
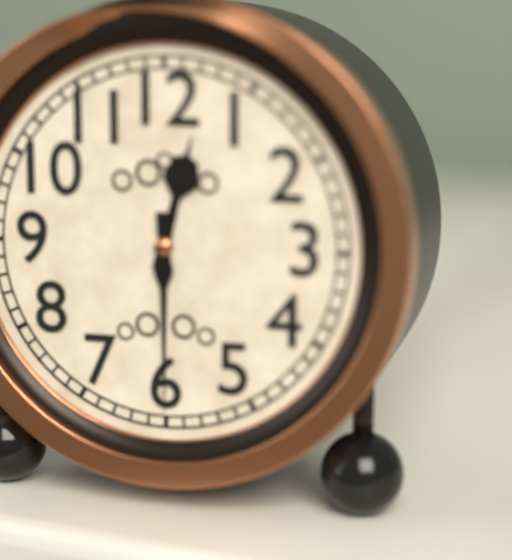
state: 12:30
